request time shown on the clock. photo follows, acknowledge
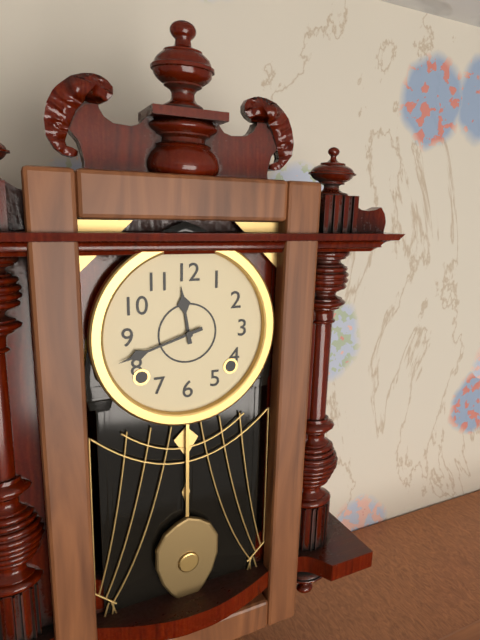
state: 11:42
